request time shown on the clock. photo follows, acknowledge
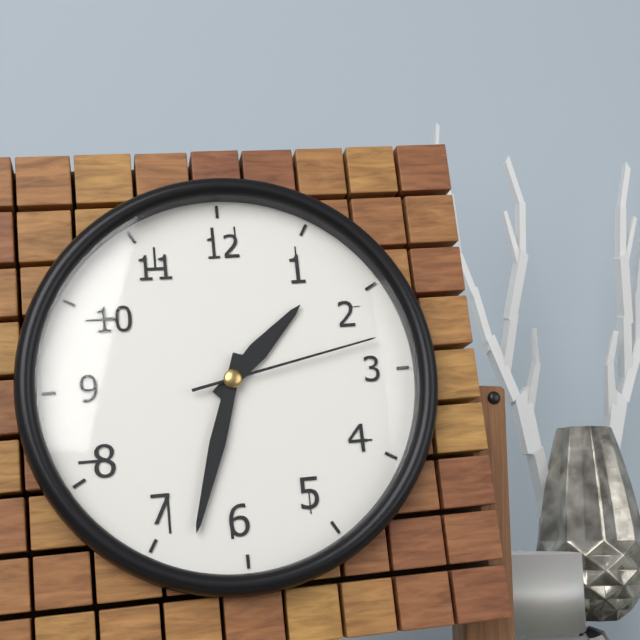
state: 1:33:13
